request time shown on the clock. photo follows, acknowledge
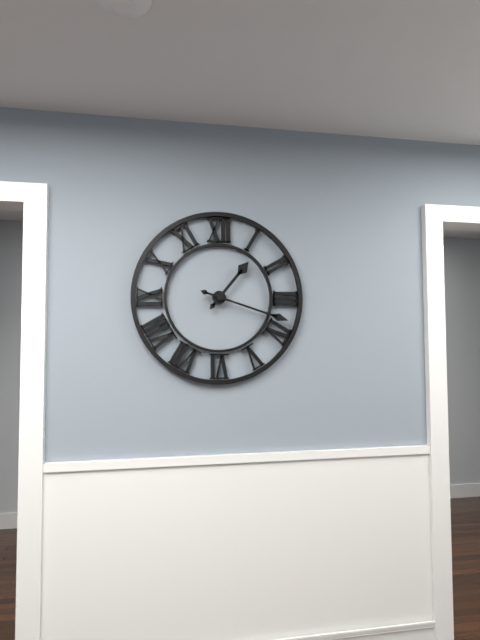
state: 1:18
